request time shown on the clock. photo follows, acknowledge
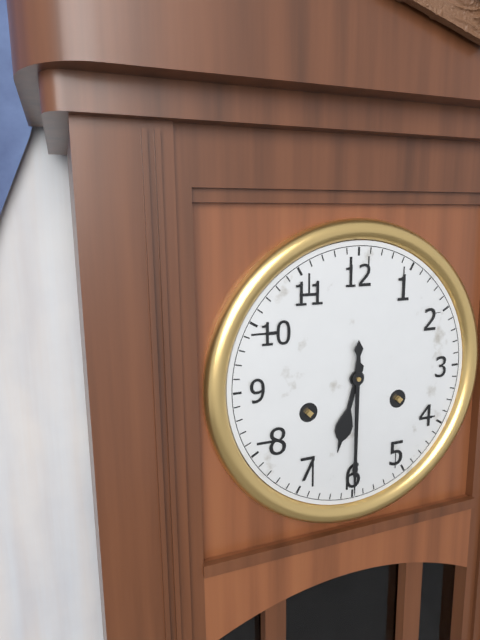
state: 6:30
